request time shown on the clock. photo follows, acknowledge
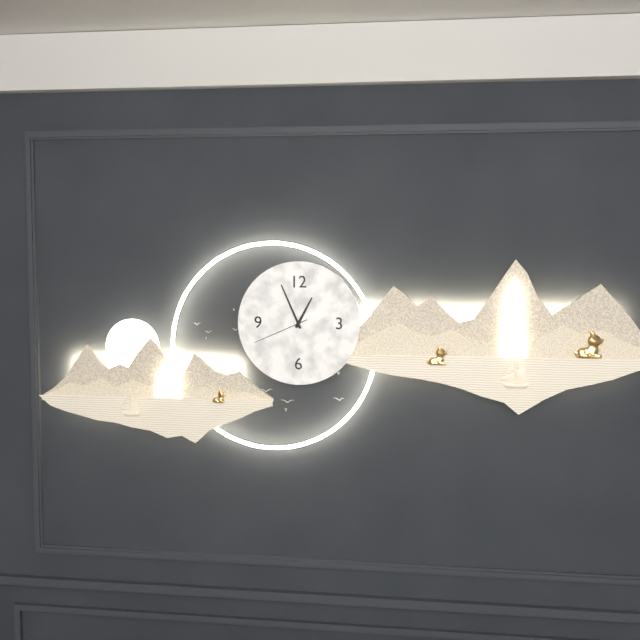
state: 12:56:41
